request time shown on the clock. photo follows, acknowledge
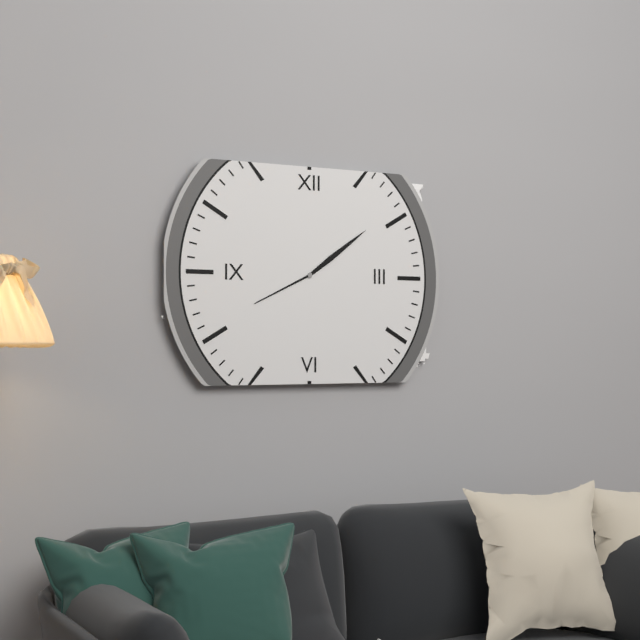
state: 8:09
